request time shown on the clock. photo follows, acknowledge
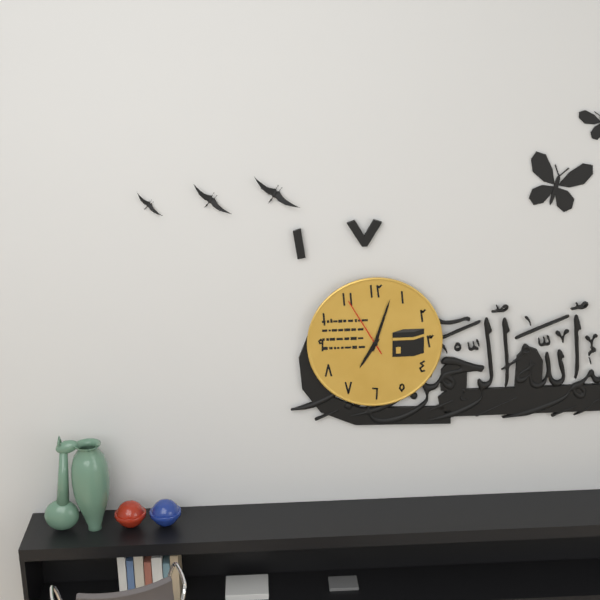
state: 7:03:55
